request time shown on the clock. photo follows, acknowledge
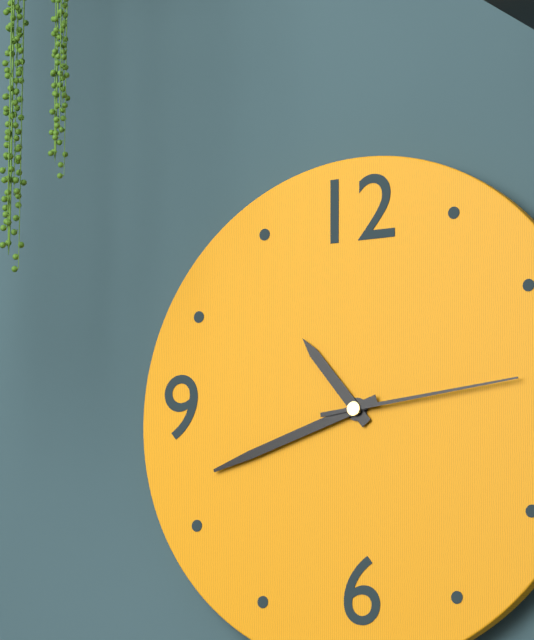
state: 10:42:14
